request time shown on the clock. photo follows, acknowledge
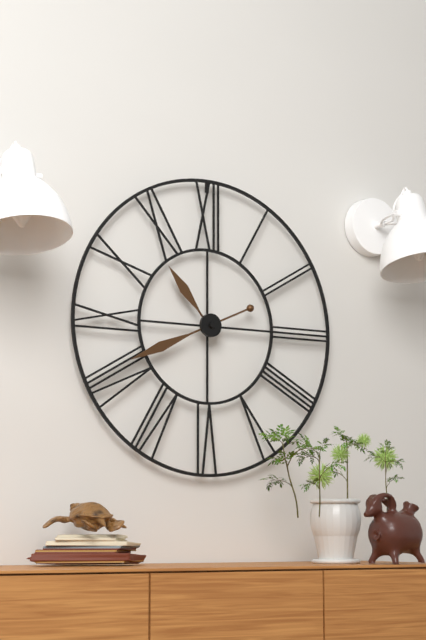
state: 10:41
